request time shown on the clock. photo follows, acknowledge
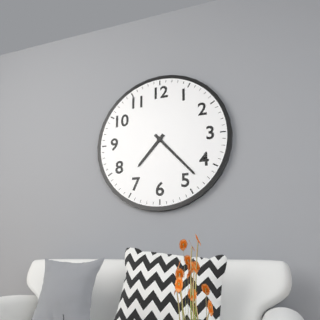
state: 7:23
